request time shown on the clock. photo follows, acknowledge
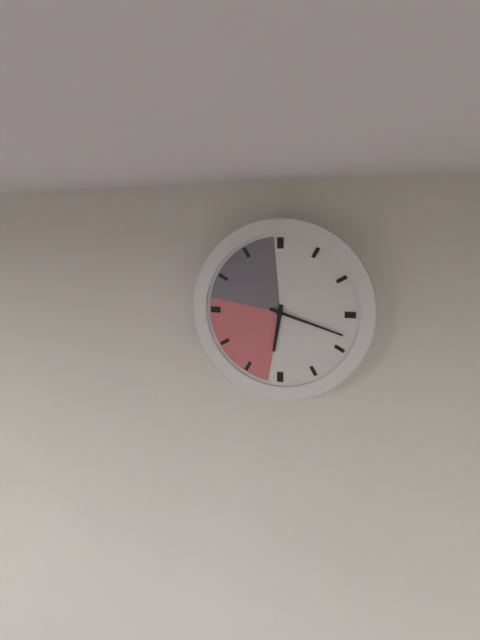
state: 6:18
